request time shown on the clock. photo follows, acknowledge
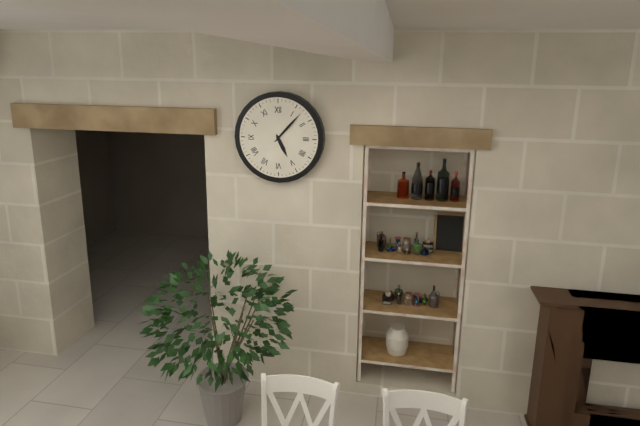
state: 5:07
